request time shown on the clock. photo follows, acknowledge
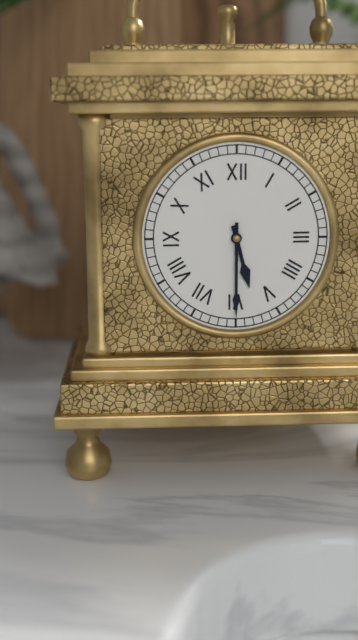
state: 5:30
